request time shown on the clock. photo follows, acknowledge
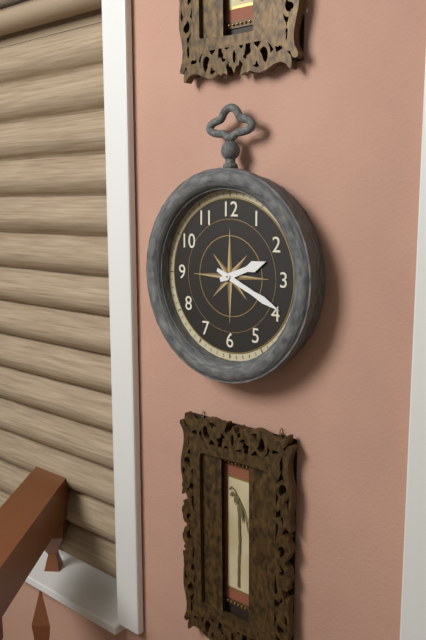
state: 2:19
